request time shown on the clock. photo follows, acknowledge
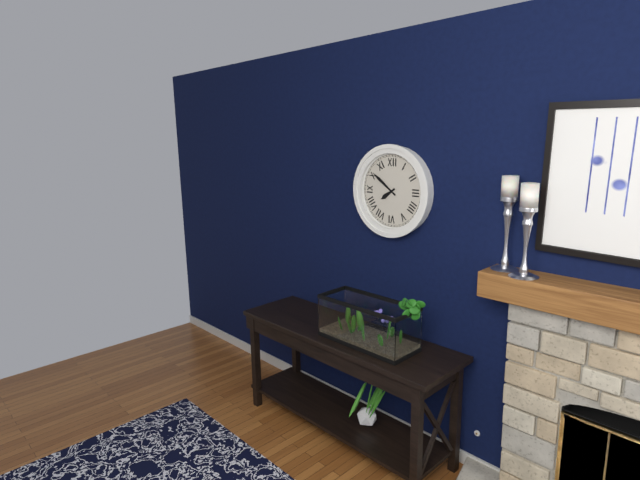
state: 7:51
